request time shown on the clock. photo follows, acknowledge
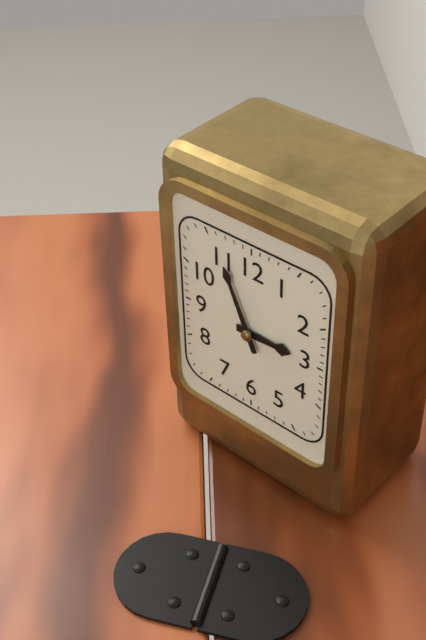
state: 2:56
